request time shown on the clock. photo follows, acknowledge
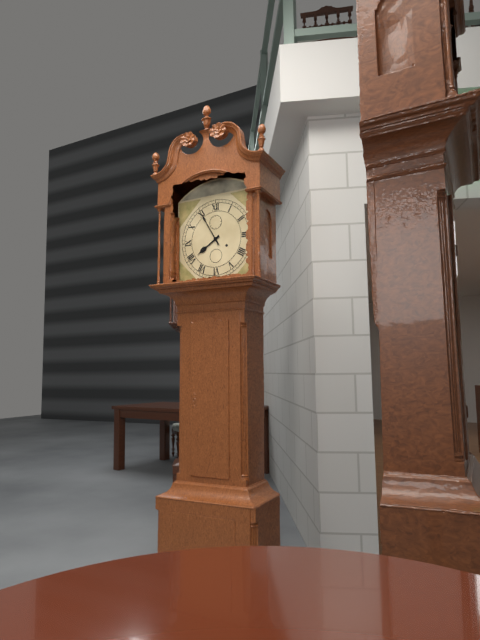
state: 7:55
